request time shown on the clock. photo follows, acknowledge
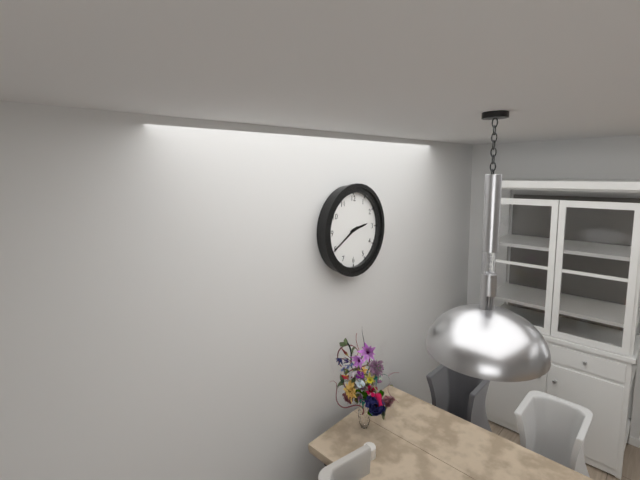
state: 2:40
